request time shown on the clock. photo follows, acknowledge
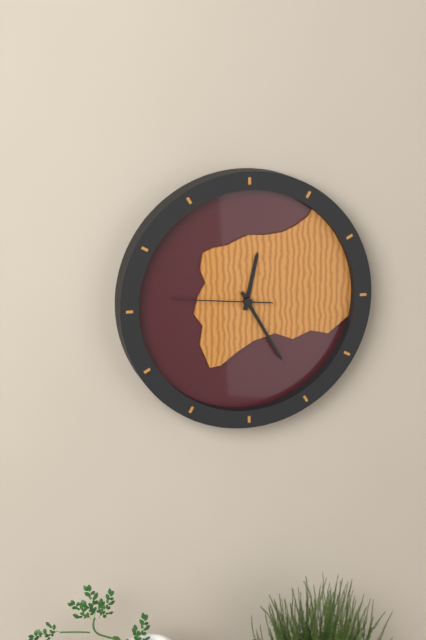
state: 12:25:46
